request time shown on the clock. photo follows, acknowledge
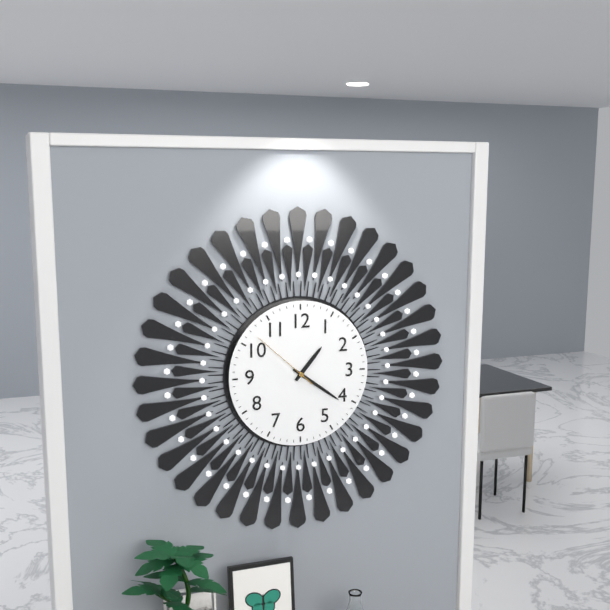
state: 1:21:52
